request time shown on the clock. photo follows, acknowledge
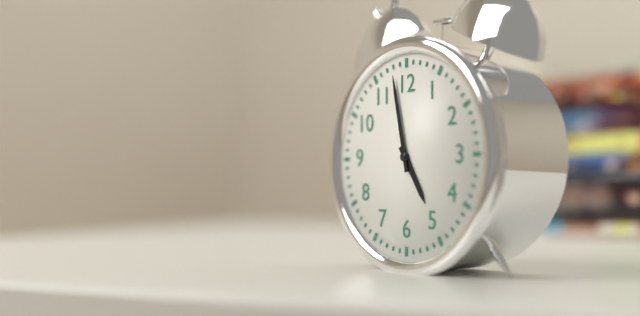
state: 4:58
